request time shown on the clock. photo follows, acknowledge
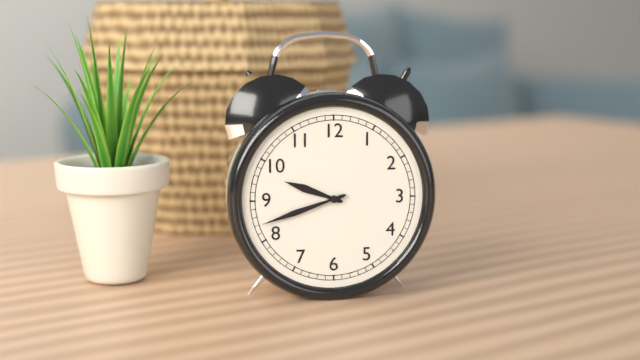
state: 9:42
